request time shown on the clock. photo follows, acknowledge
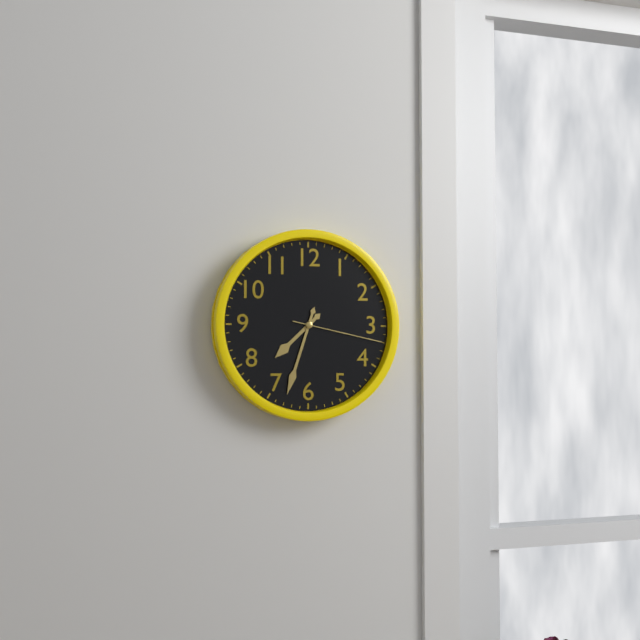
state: 7:33:17
